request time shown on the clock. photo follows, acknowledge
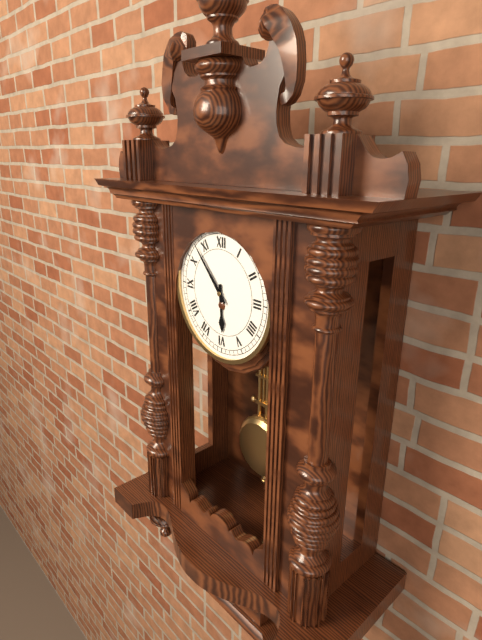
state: 5:53
